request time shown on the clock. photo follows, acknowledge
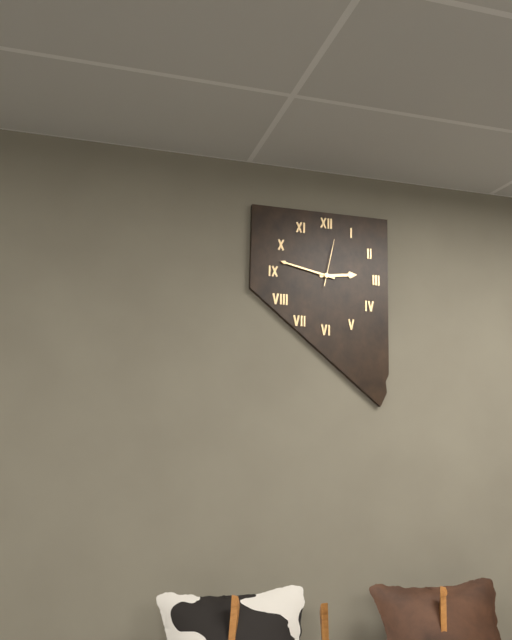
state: 2:47
